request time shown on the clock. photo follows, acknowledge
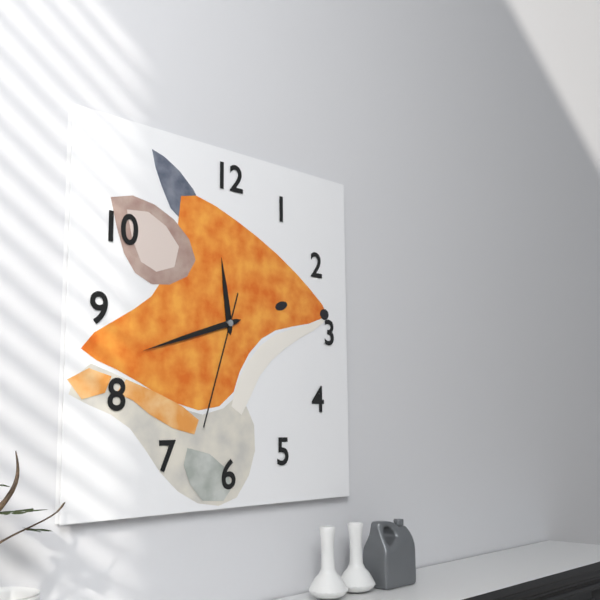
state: 11:42:33
